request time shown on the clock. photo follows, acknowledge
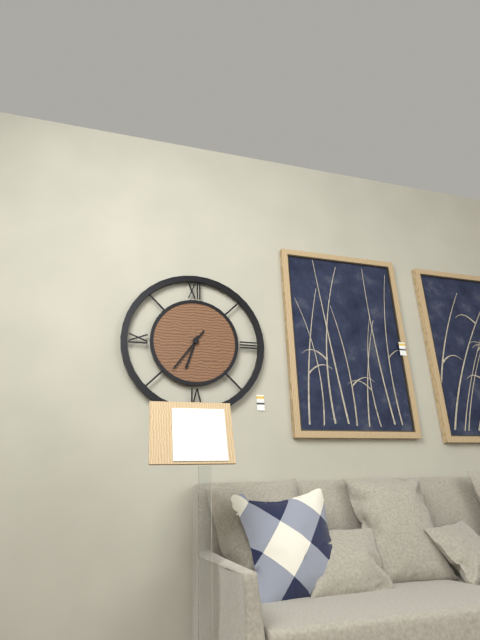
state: 6:36
